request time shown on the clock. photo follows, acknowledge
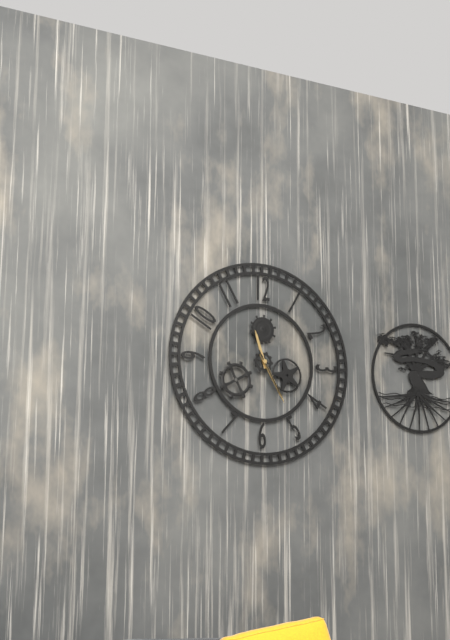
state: 11:25:25
